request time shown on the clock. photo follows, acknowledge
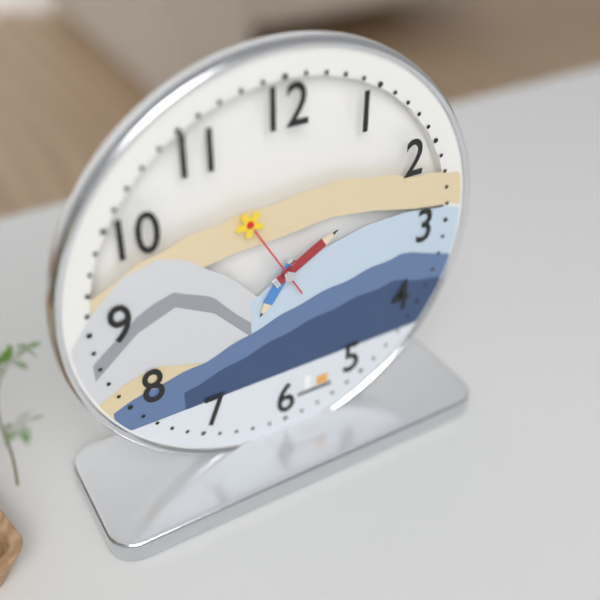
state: 7:10:55
